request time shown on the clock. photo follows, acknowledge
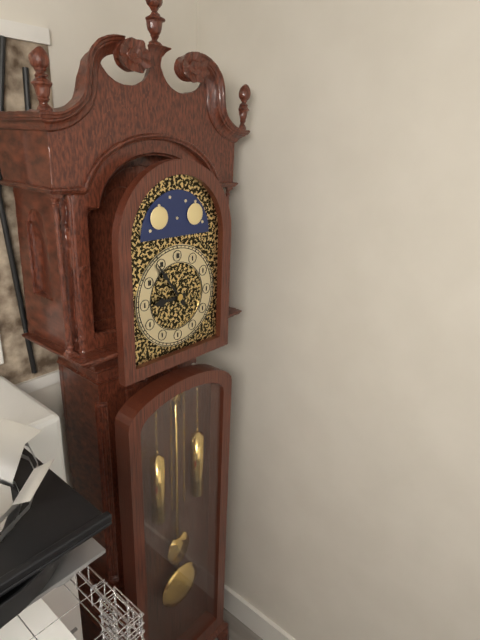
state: 8:54
